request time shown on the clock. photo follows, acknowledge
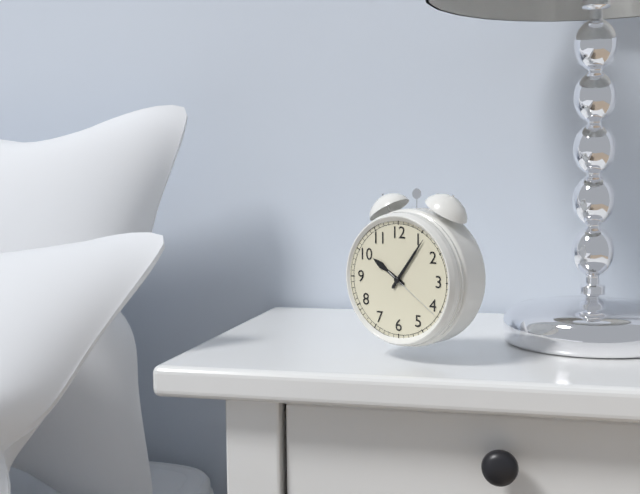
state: 10:06:21
